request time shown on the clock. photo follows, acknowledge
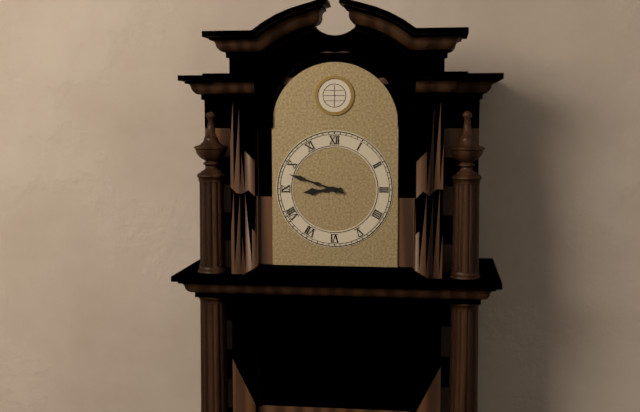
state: 8:48
